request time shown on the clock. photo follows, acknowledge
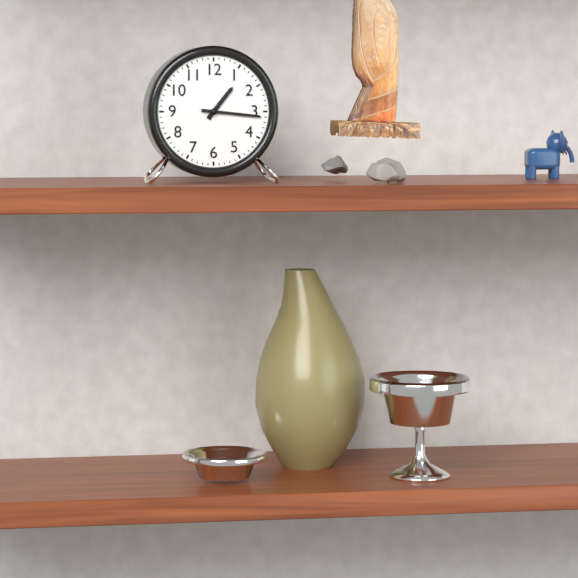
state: 1:16
